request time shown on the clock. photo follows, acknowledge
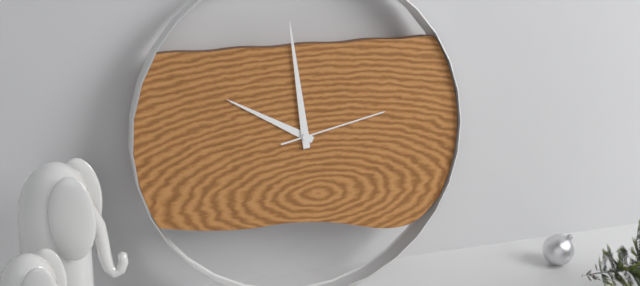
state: 9:59:13
